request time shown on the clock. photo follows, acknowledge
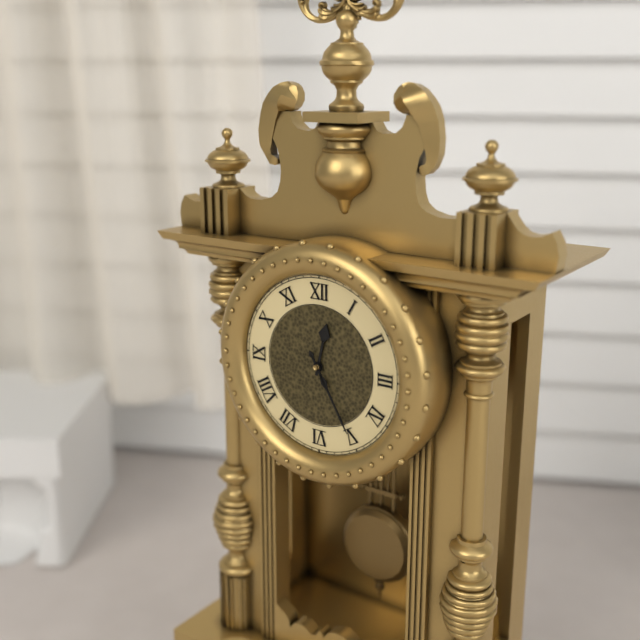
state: 12:25
